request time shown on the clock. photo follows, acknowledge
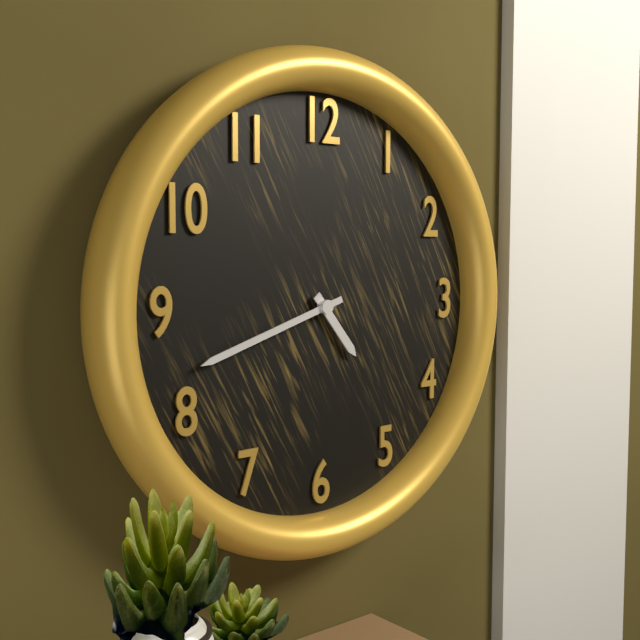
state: 4:42
